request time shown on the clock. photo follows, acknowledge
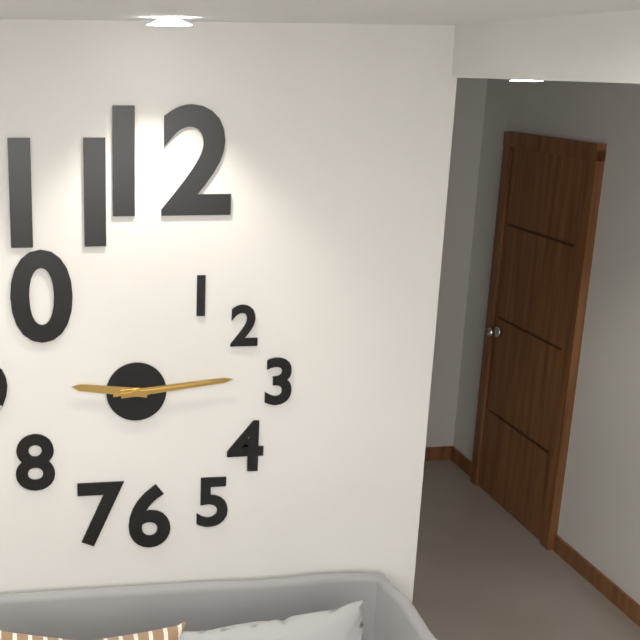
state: 9:14:14
